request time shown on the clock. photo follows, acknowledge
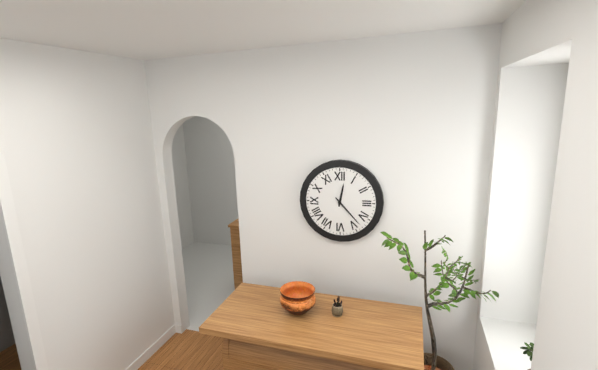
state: 12:23
